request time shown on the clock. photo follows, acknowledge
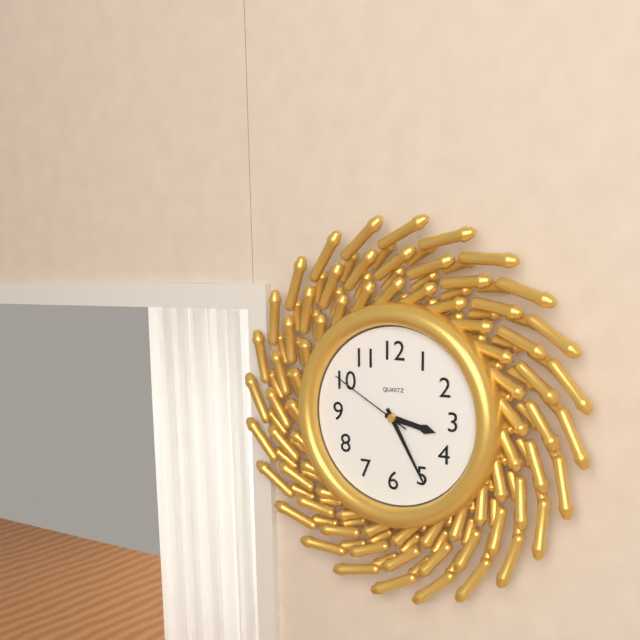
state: 3:25:50
